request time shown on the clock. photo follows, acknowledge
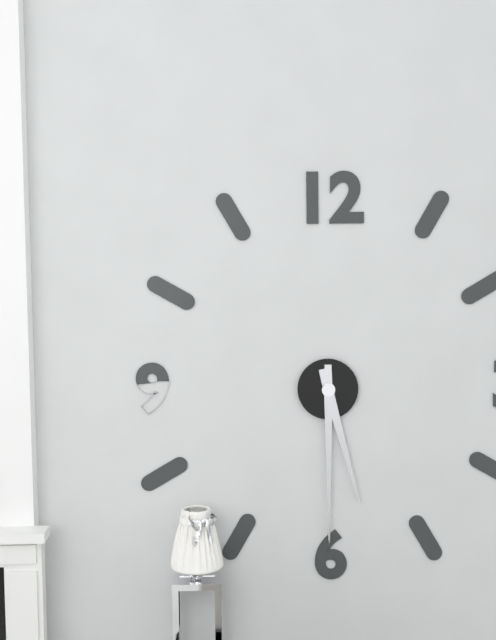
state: 5:30
